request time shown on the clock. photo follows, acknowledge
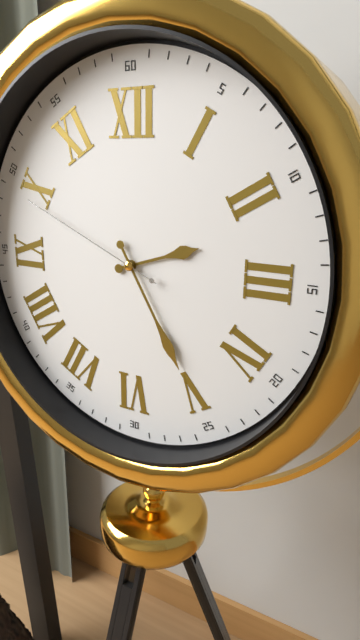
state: 2:25:49
